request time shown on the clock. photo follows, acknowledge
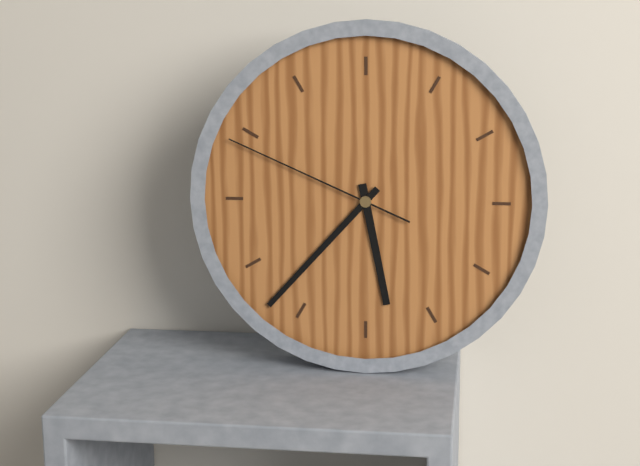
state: 5:37:49
